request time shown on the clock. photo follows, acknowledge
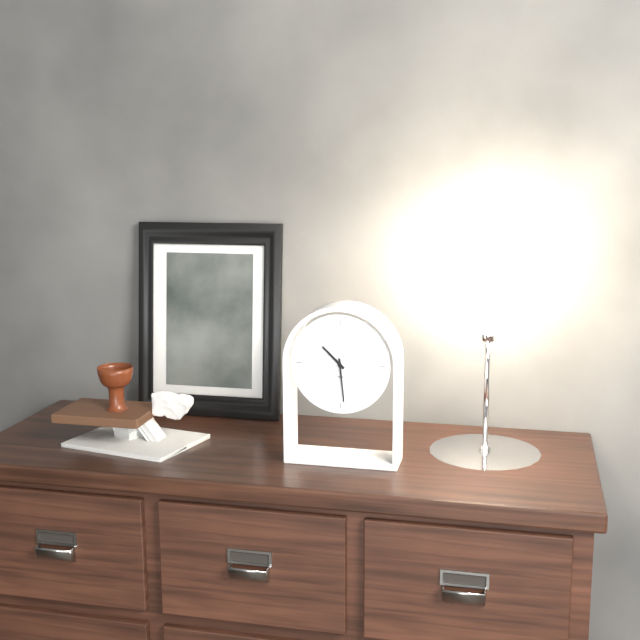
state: 10:29
